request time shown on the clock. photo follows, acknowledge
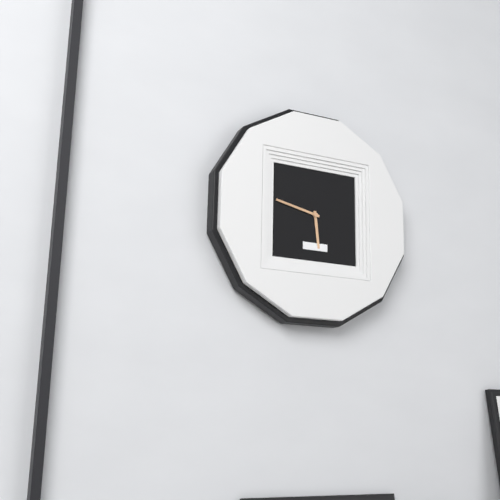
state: 5:47
